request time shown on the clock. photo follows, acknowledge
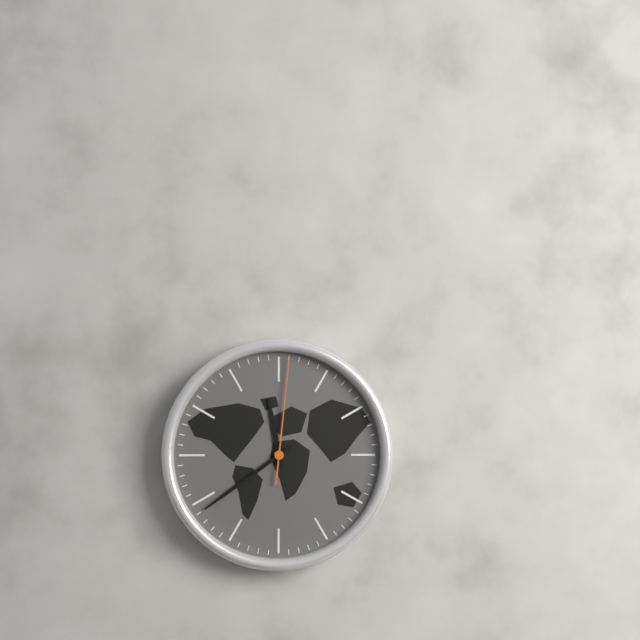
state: 11:39:01
